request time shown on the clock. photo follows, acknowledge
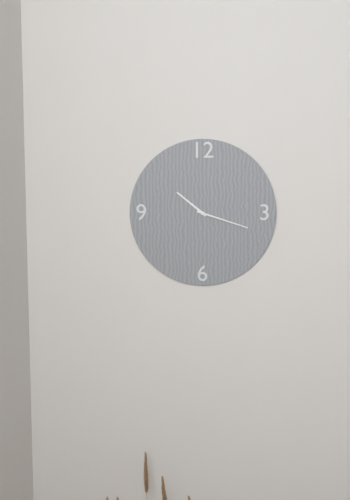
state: 10:18
